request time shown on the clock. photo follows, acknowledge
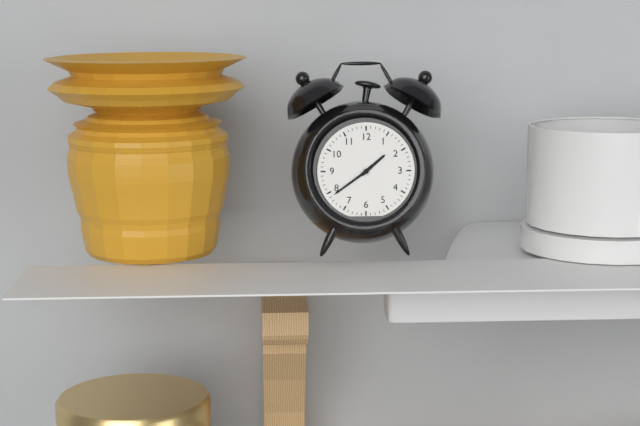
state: 1:39
